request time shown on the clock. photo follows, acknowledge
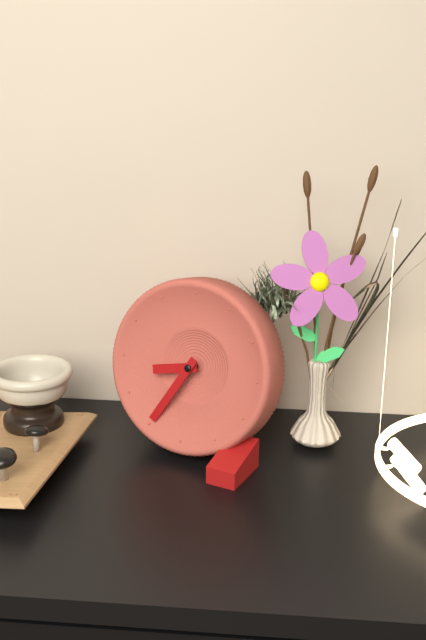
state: 8:35
